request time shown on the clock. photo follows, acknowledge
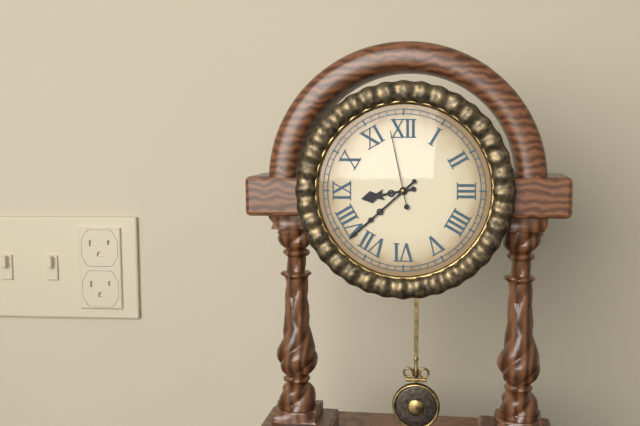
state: 8:38:58
